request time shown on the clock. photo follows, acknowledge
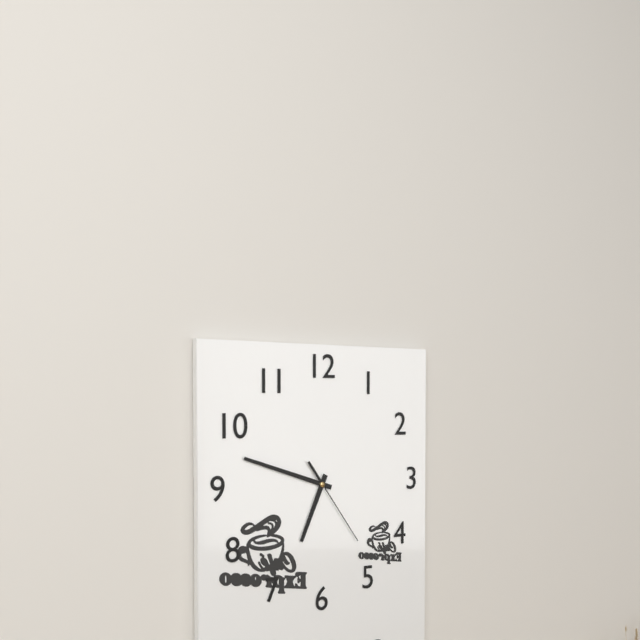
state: 6:48:24
